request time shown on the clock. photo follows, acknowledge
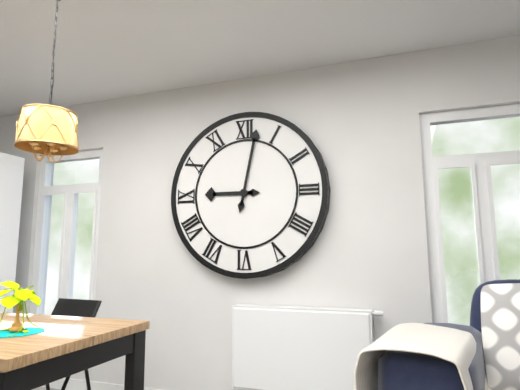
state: 9:02
